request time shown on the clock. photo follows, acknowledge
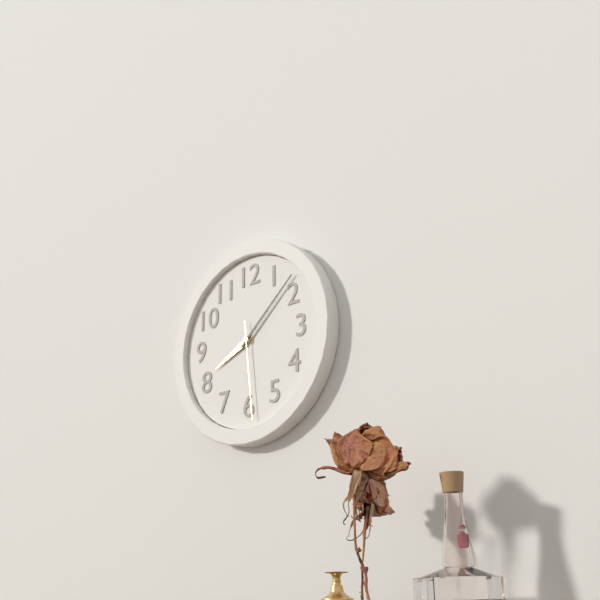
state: 8:08:29
